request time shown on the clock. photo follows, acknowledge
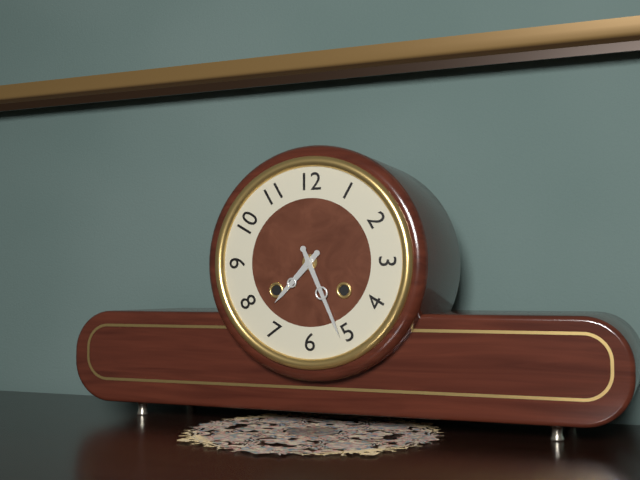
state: 7:26
